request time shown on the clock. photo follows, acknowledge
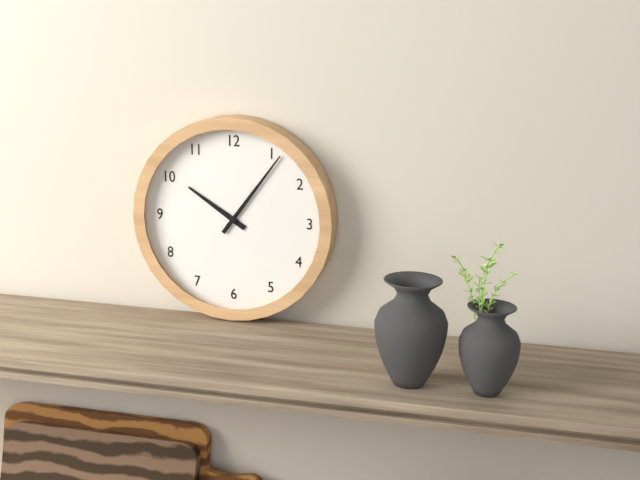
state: 10:06
